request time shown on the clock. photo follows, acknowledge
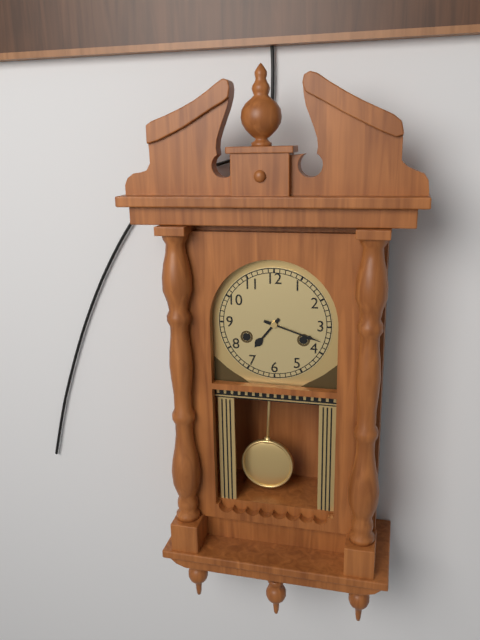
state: 7:18
